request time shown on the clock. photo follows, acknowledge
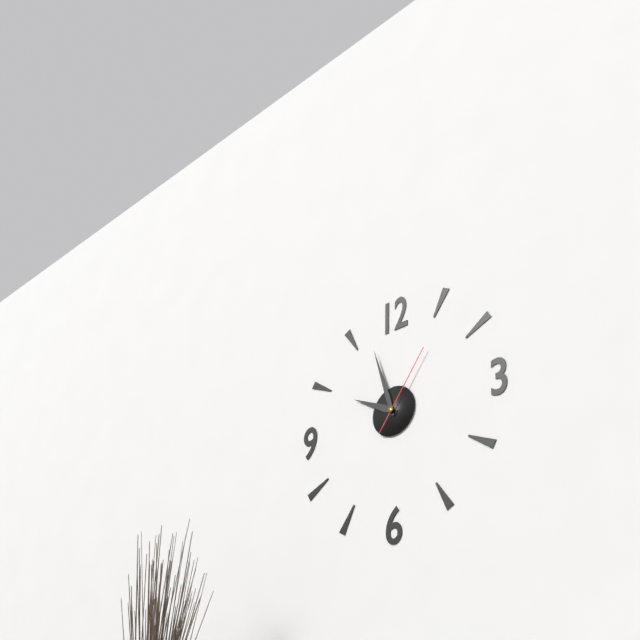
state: 9:57:06
